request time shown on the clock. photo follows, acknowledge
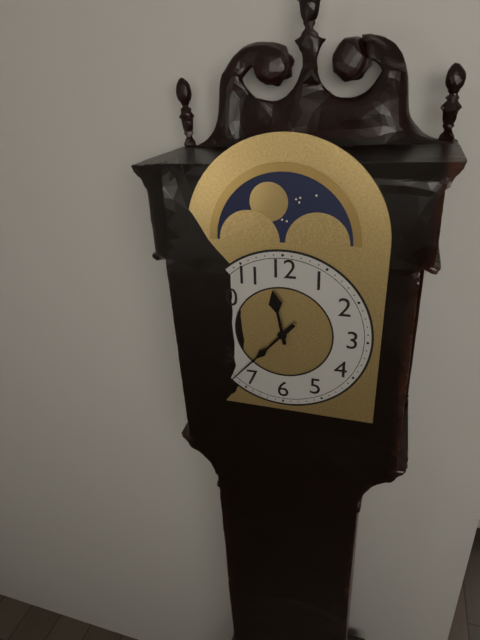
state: 11:37
